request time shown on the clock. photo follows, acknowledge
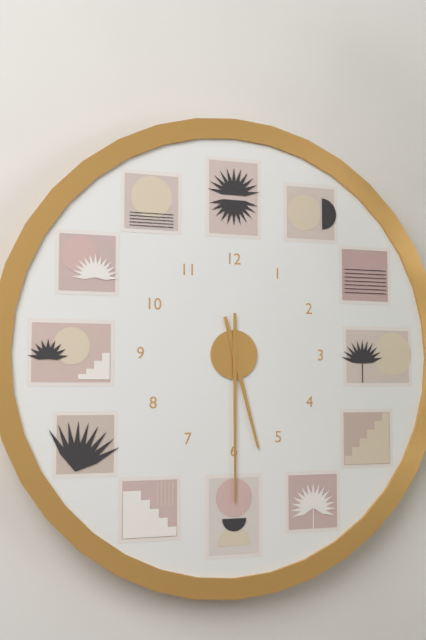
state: 5:30
